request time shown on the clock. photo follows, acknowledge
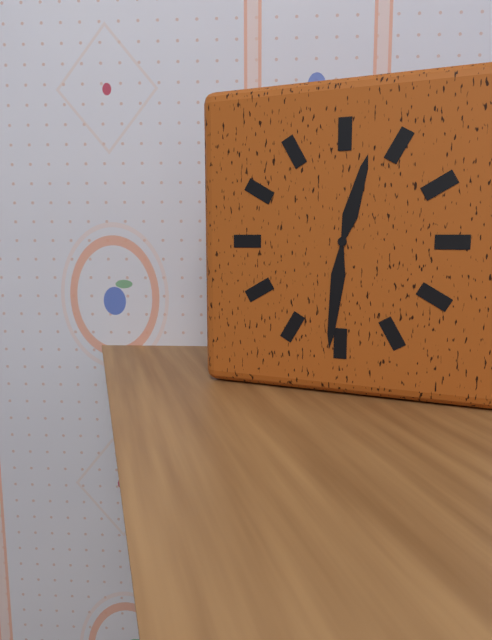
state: 12:31
